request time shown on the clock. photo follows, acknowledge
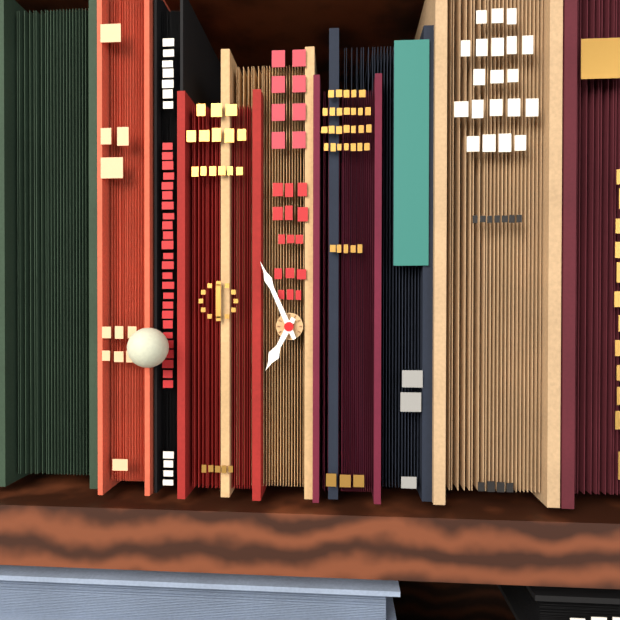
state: 6:56
